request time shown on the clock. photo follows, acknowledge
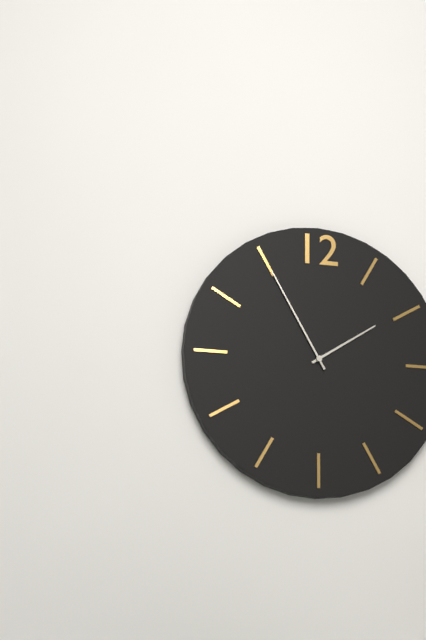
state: 1:55
